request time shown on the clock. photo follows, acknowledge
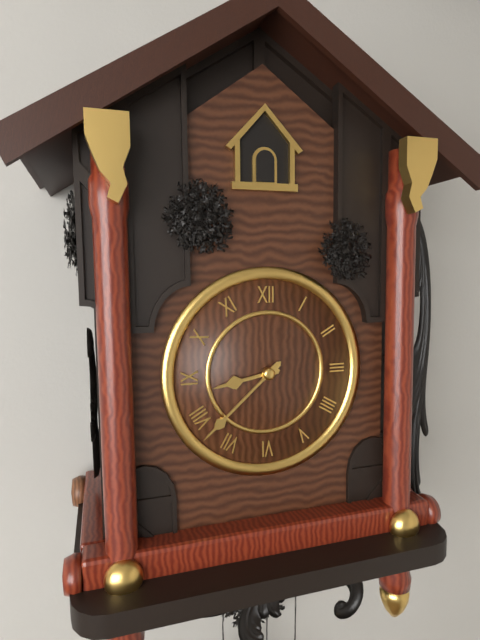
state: 8:38
